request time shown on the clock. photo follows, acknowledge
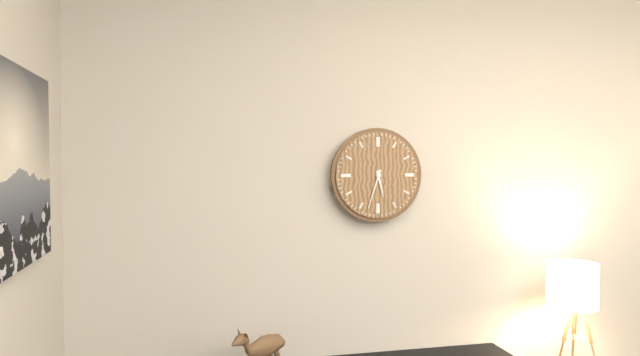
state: 5:33
